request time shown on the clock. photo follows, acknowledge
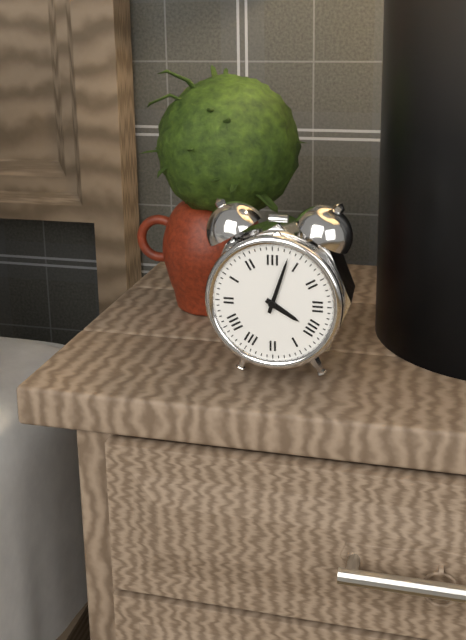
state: 4:03
